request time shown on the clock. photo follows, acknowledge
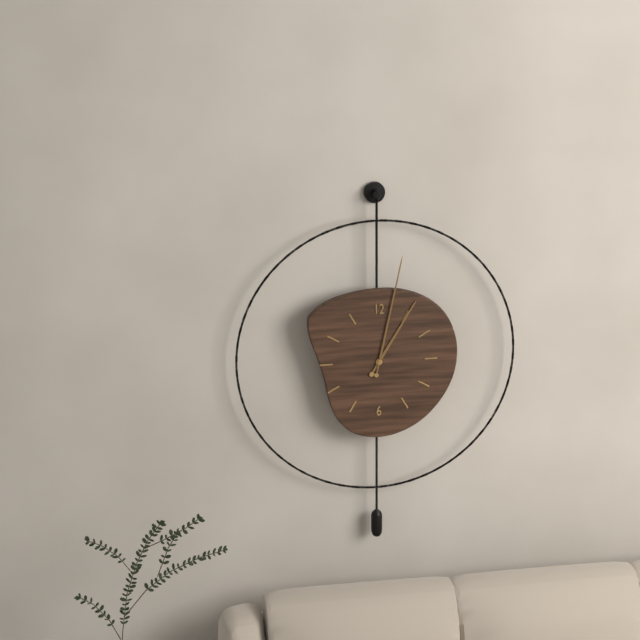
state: 1:02
